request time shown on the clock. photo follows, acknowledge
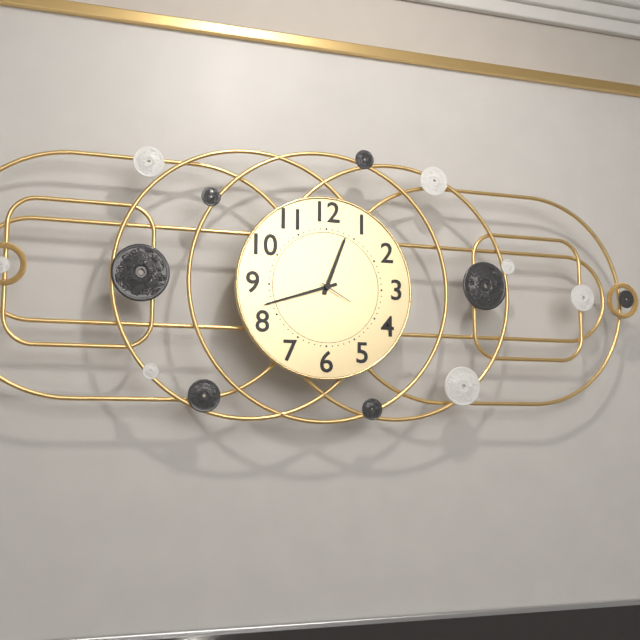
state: 12:42
